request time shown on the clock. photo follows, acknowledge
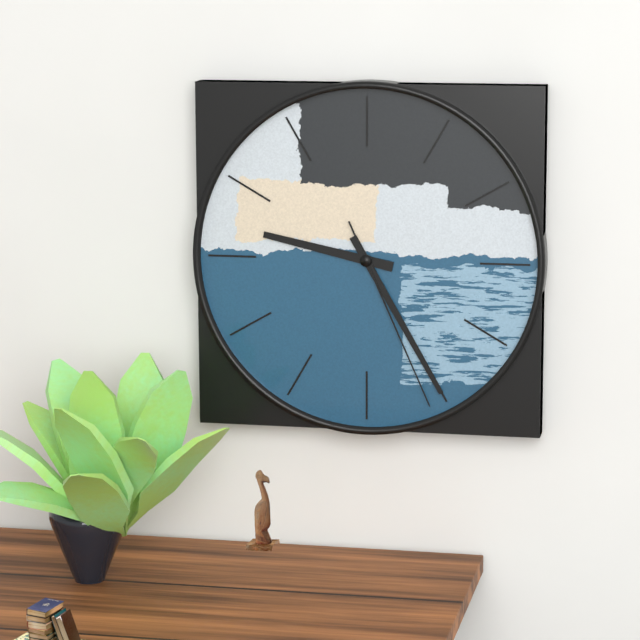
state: 9:25:26
